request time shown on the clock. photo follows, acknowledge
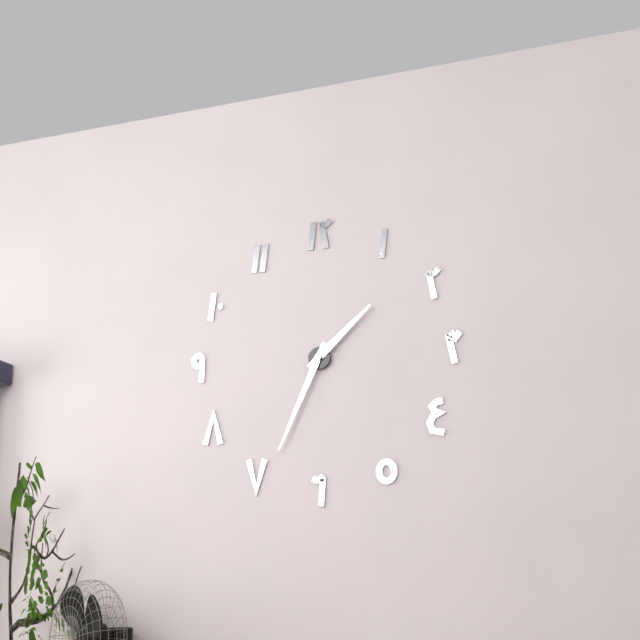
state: 1:34
